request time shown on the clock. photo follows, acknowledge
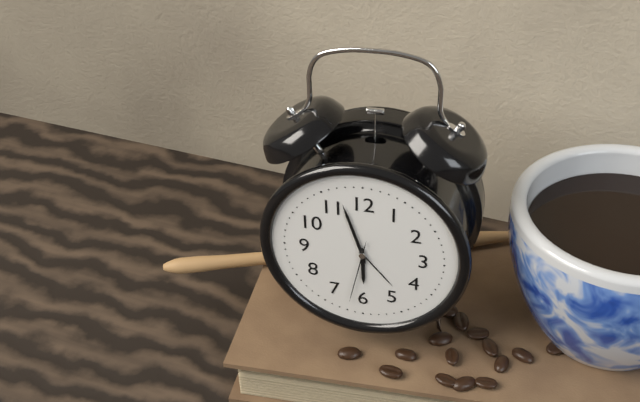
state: 5:57:32
